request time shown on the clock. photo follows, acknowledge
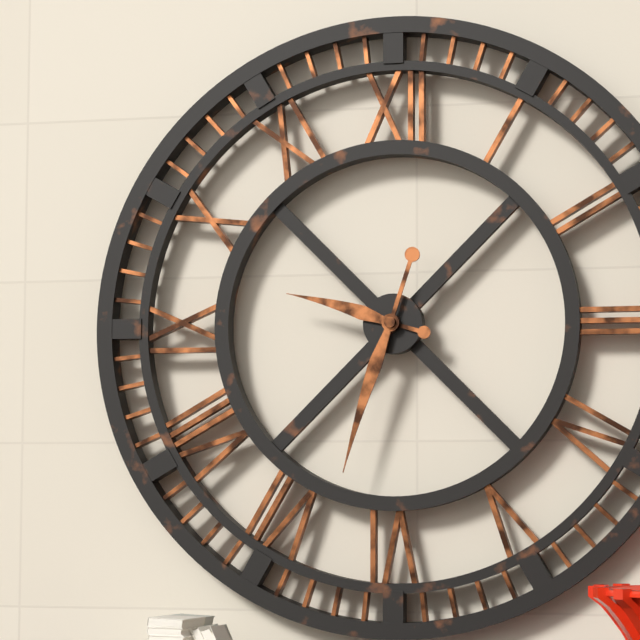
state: 9:33
